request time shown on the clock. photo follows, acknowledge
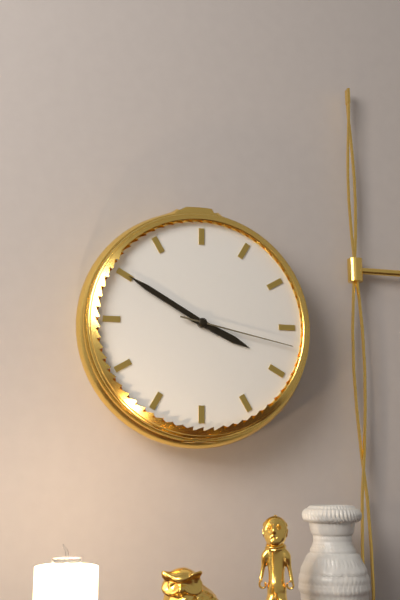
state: 3:50:17
